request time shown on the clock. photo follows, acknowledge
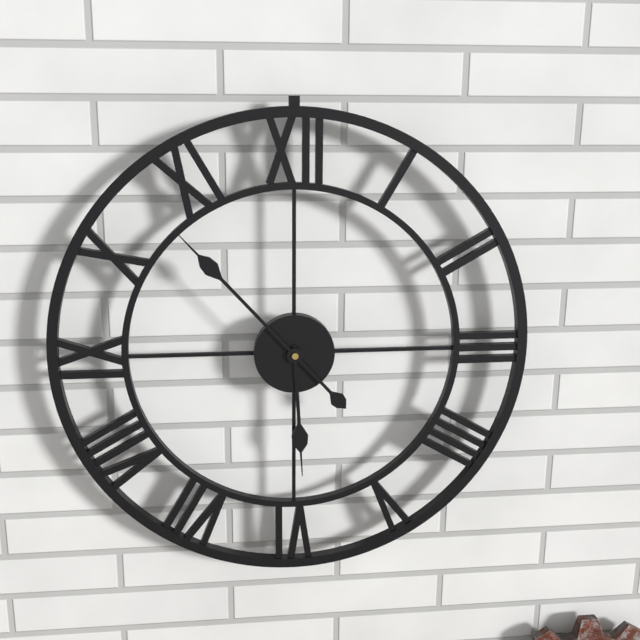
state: 5:53
